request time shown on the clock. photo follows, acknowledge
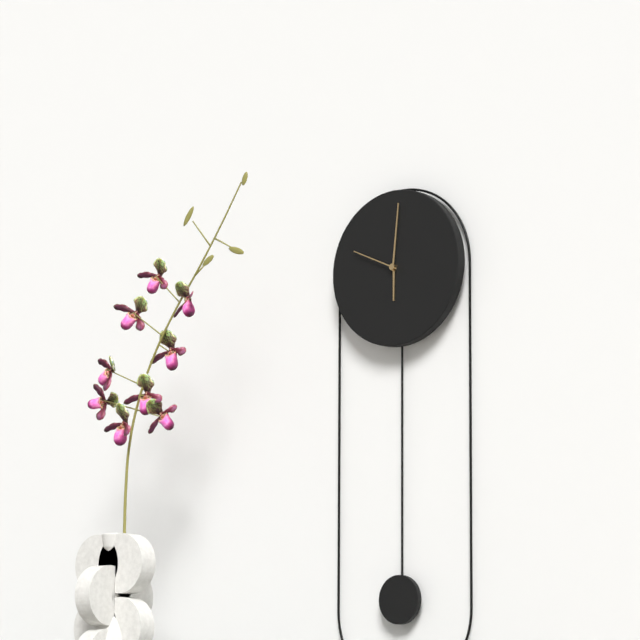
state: 6:01:49
